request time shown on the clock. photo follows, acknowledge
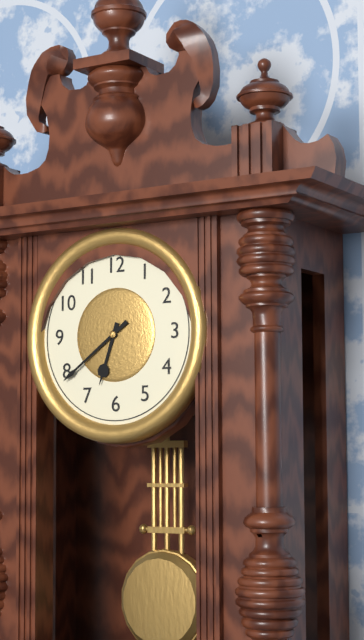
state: 6:39
